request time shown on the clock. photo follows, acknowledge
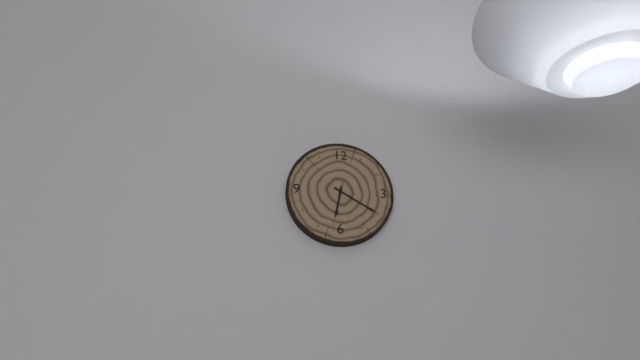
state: 6:20
